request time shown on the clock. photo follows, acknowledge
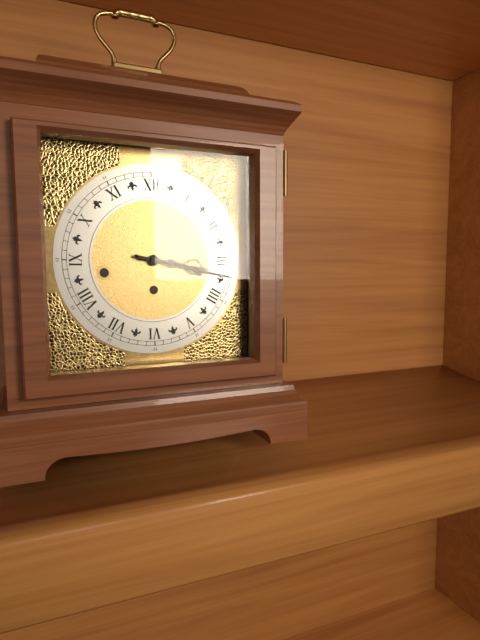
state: 3:17
